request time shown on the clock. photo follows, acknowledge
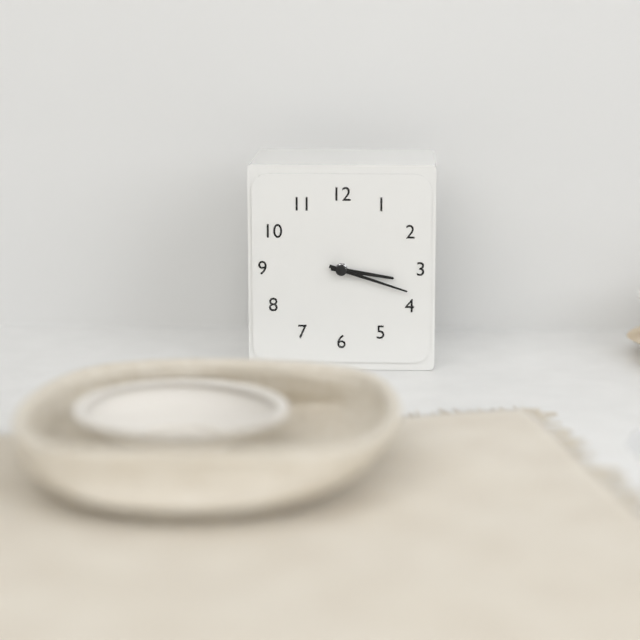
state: 3:18
